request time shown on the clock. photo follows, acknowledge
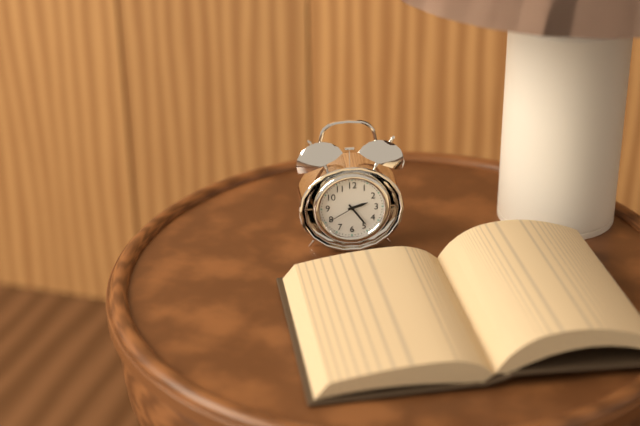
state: 2:24
